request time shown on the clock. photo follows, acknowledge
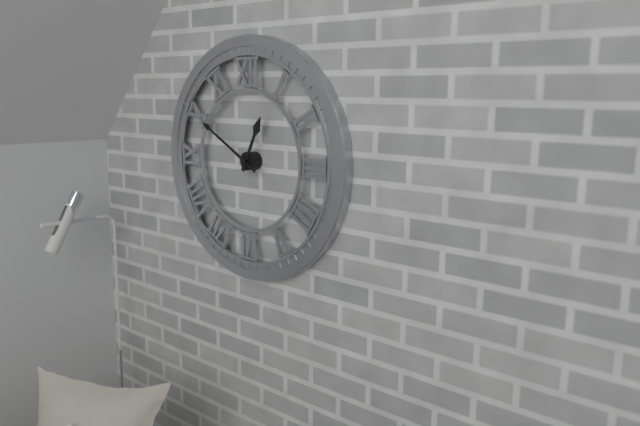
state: 12:50
